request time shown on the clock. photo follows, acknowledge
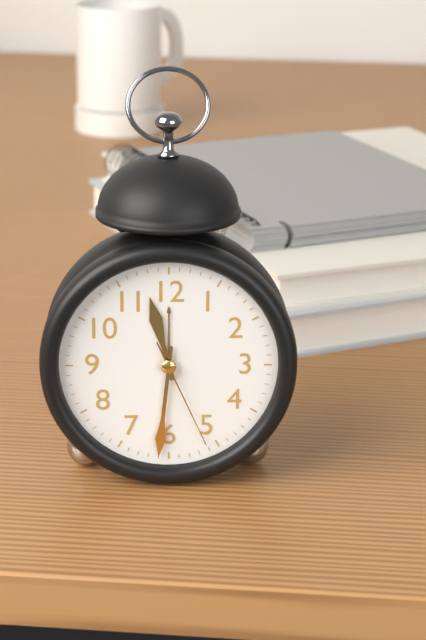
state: 11:31:26
